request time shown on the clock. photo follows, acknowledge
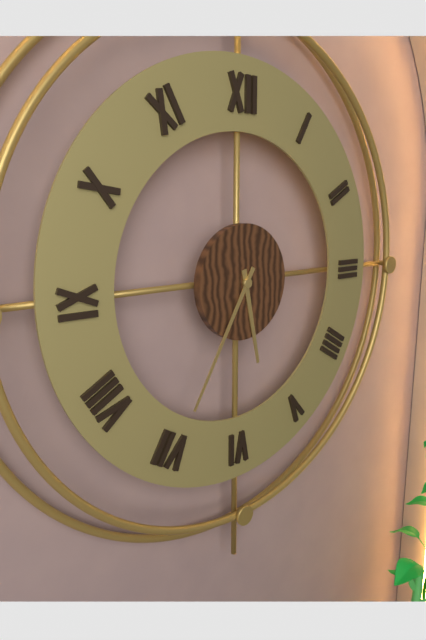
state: 5:35
